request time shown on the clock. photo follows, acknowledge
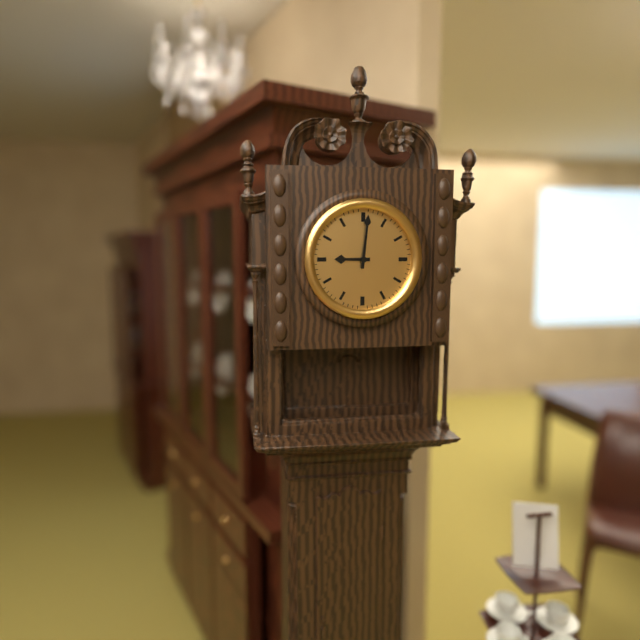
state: 9:01
